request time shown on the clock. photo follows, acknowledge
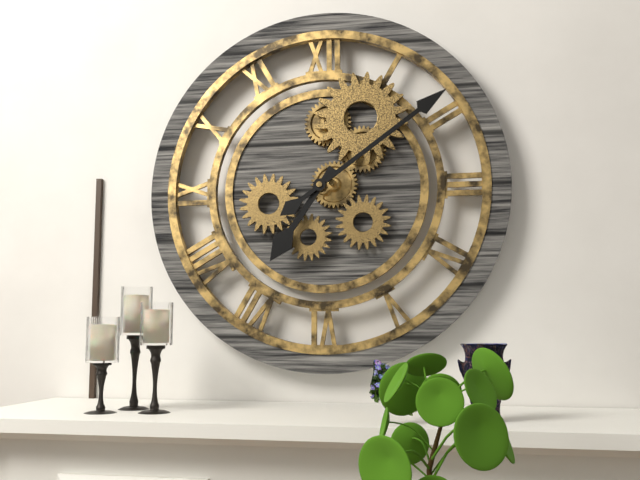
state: 7:09
